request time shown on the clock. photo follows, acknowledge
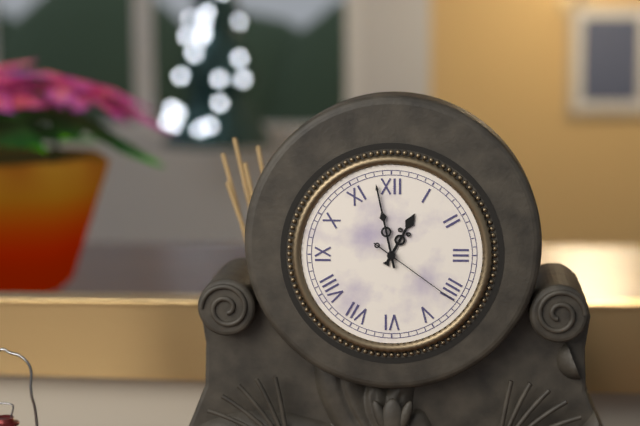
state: 12:58:21
